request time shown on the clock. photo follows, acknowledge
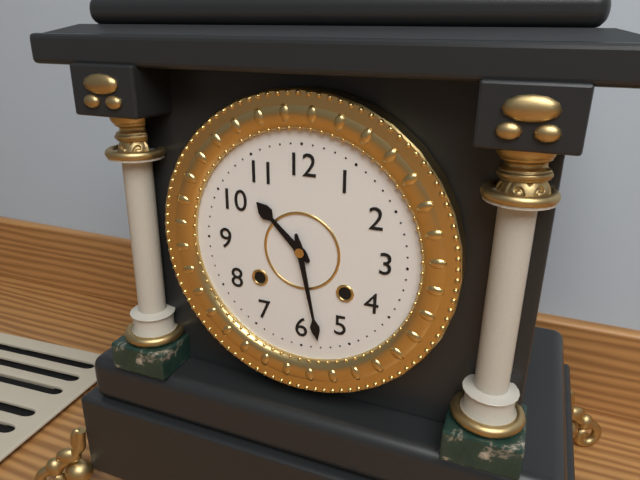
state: 10:28
